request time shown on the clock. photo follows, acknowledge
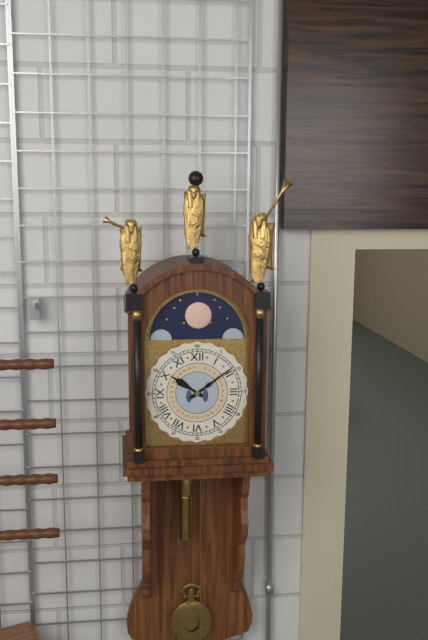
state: 10:09
